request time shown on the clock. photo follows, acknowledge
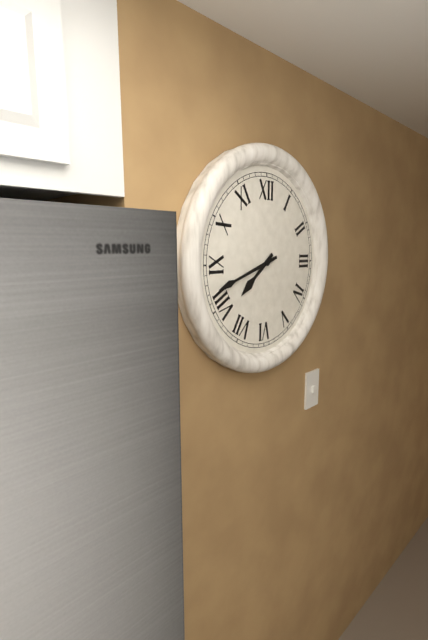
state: 7:42
